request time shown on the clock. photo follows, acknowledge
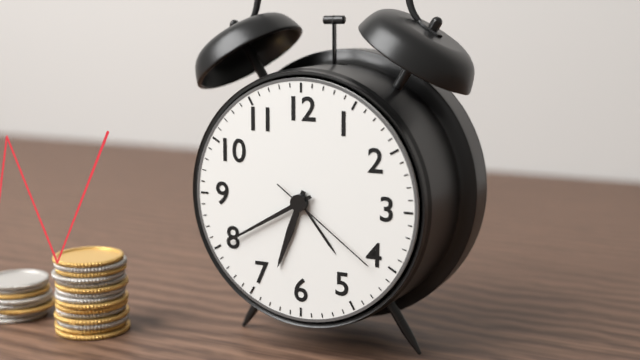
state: 6:40:21
